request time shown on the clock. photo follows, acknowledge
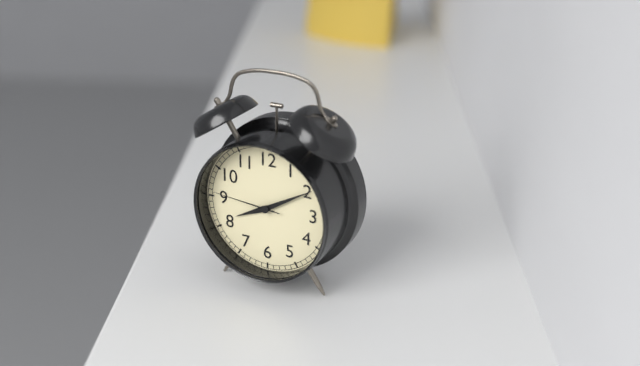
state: 8:10:46
